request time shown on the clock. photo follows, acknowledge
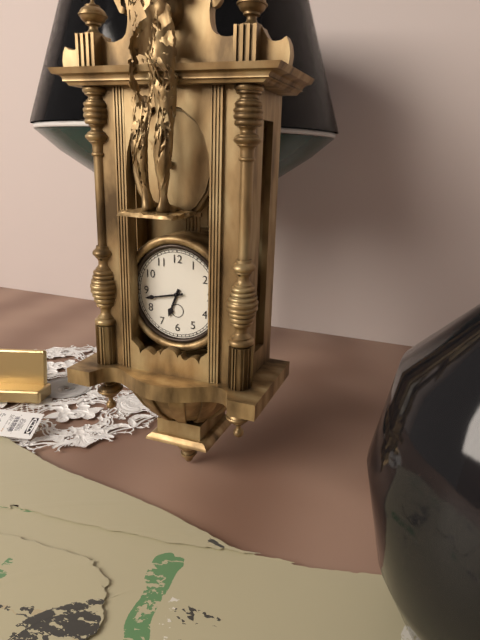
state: 6:43
